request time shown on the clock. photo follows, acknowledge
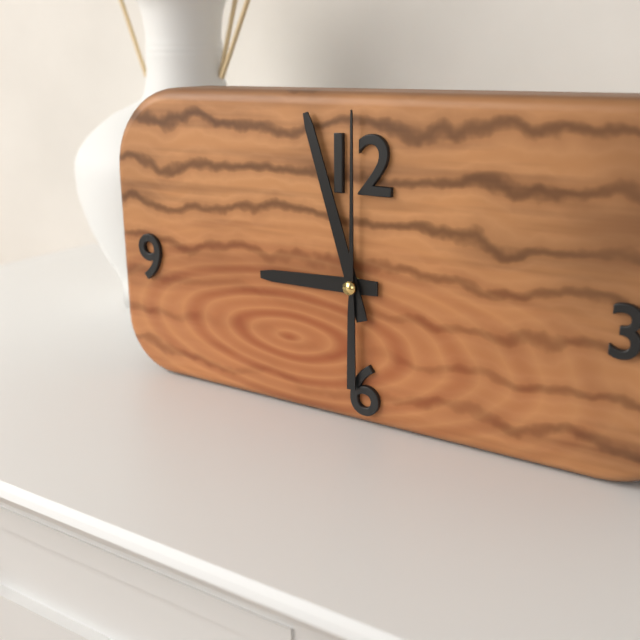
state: 8:57:00
